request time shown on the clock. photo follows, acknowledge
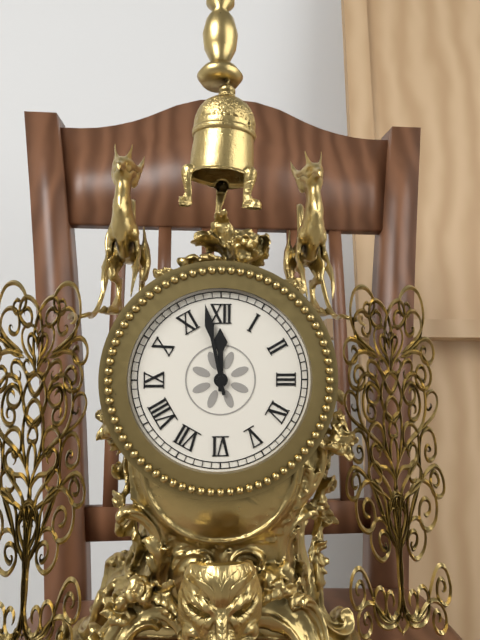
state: 11:58
